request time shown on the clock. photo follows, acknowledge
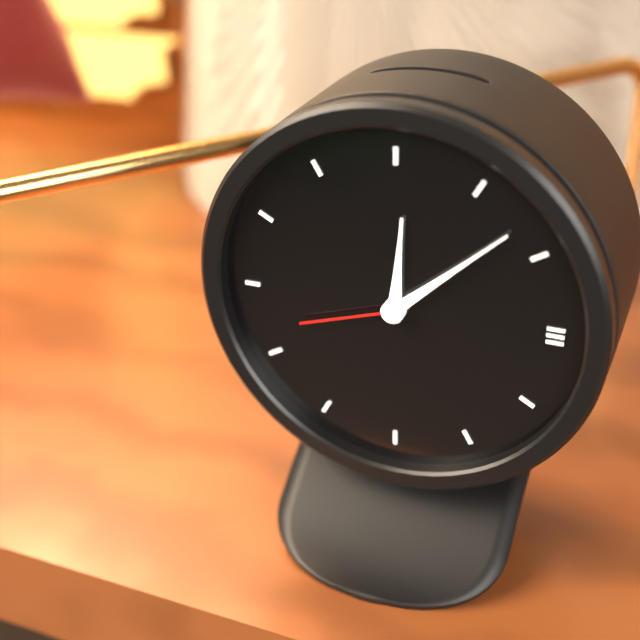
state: 12:08:42
